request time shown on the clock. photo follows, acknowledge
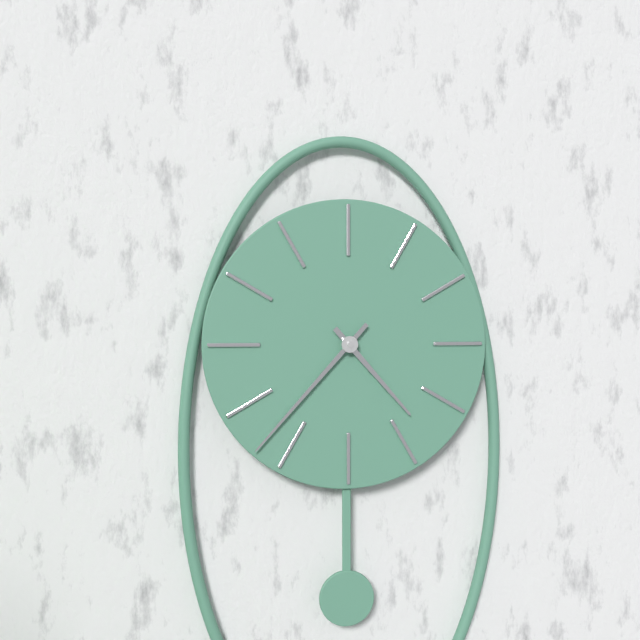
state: 4:37
